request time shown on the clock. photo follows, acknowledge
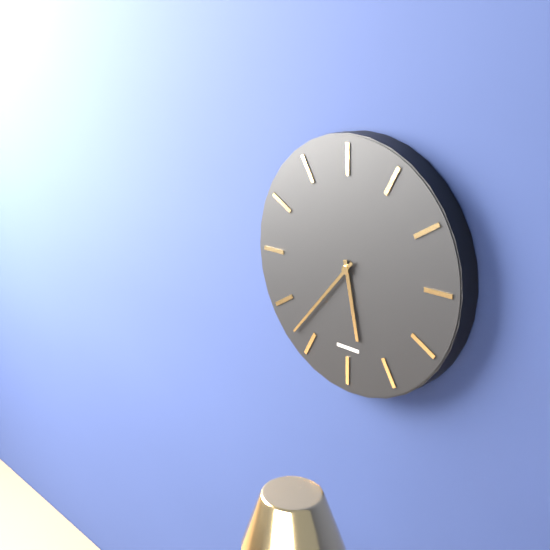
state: 5:37
